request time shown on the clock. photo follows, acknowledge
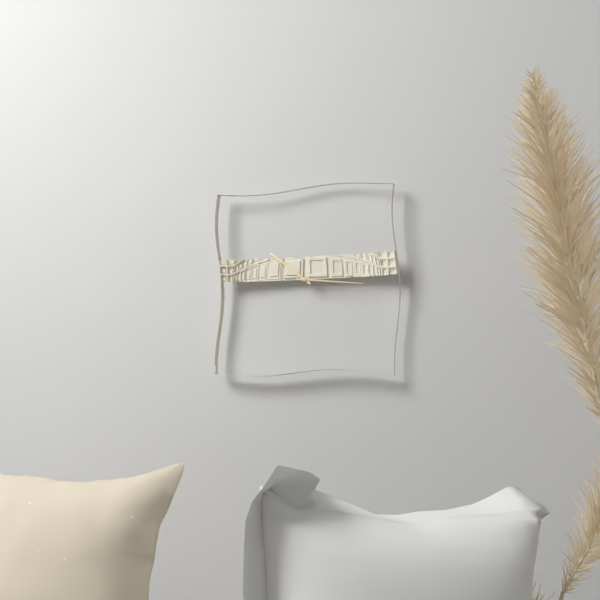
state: 10:16
